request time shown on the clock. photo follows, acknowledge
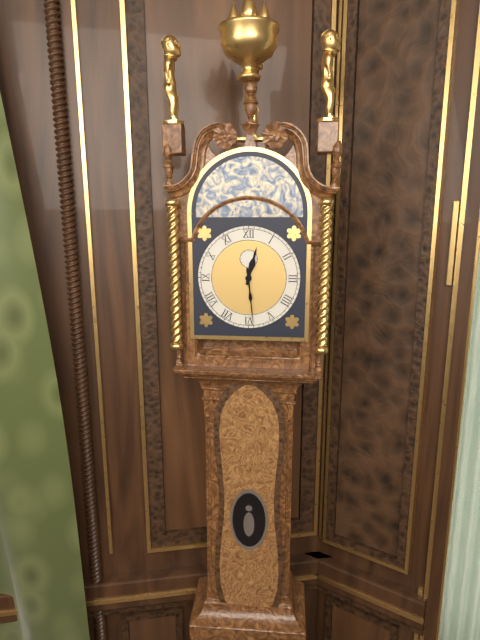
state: 12:29
